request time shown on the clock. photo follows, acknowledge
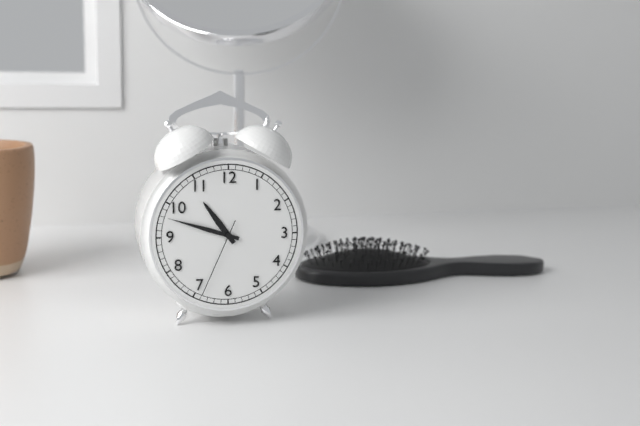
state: 10:48:34
